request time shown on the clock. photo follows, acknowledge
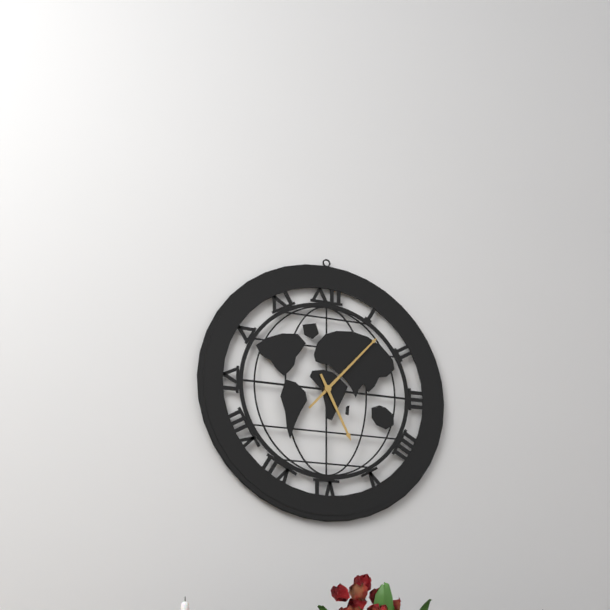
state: 5:07
